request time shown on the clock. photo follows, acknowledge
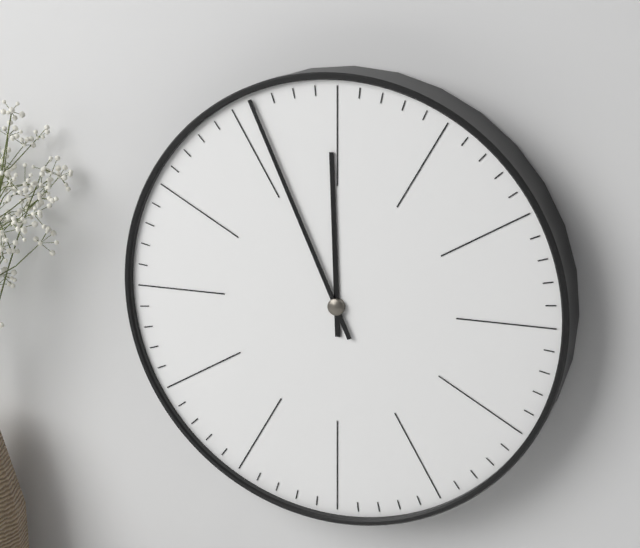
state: 11:56
